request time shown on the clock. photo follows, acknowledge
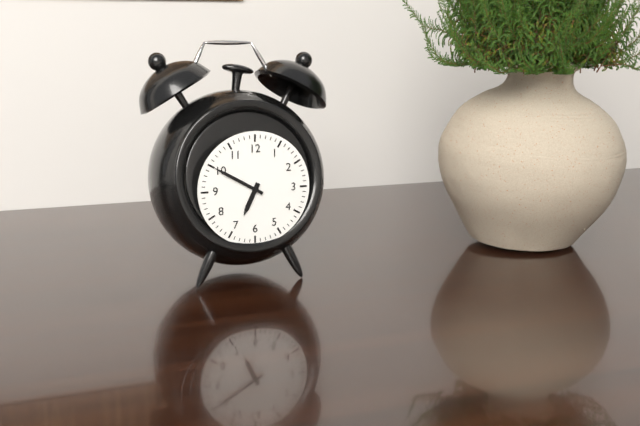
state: 6:50
